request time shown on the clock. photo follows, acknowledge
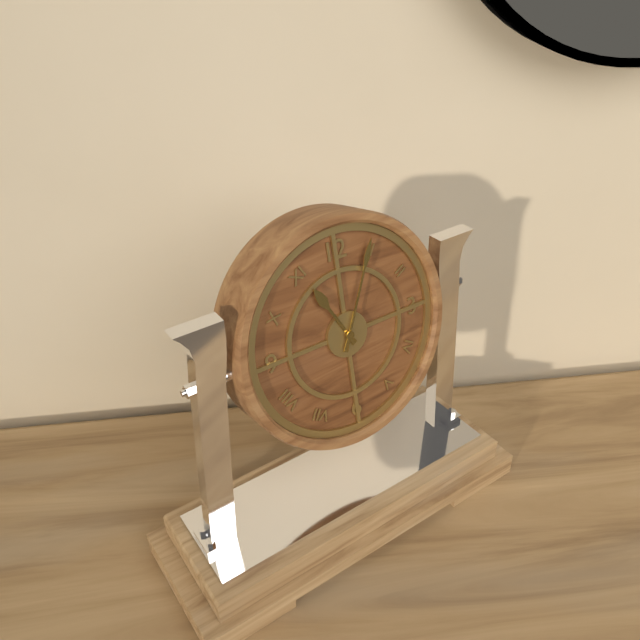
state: 11:04
